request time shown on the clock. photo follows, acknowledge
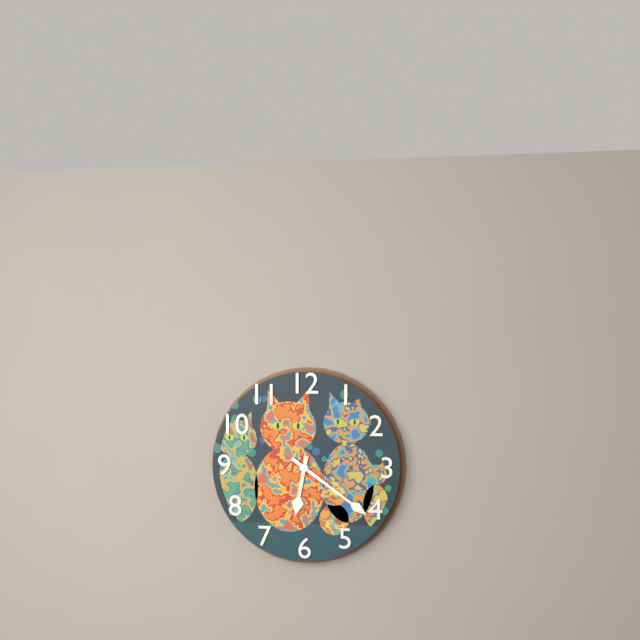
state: 6:21
